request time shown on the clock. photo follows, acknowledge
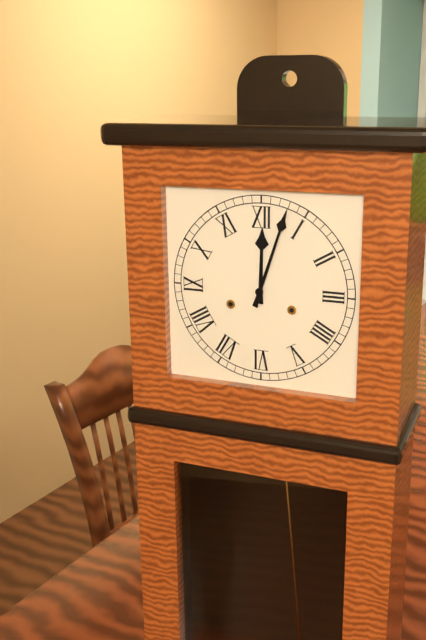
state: 12:03
